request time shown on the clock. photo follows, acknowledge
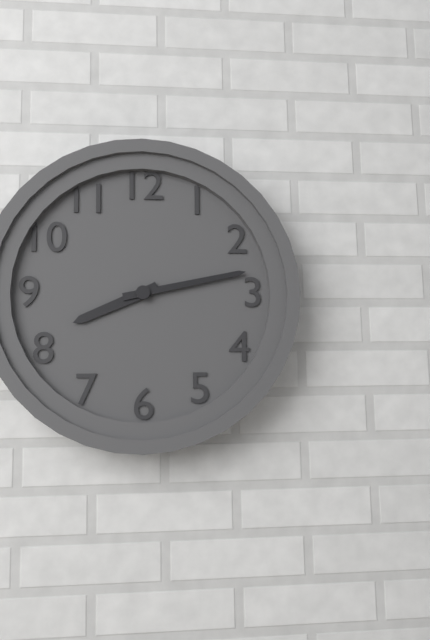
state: 8:13
